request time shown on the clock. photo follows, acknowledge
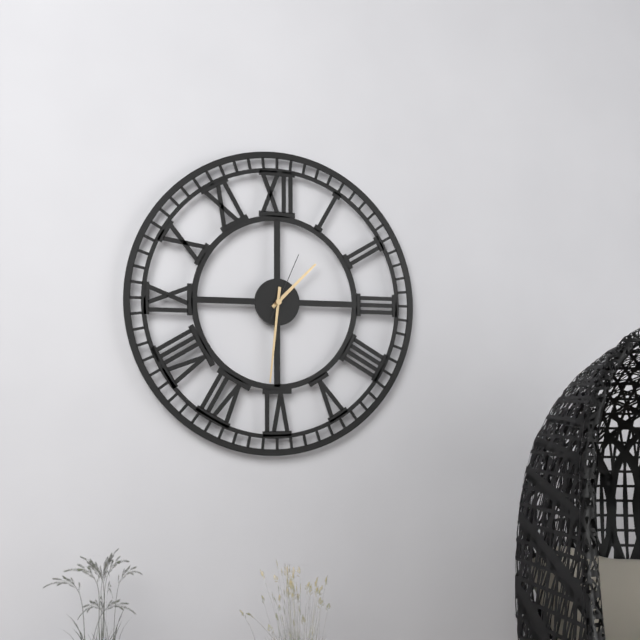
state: 1:31:04
